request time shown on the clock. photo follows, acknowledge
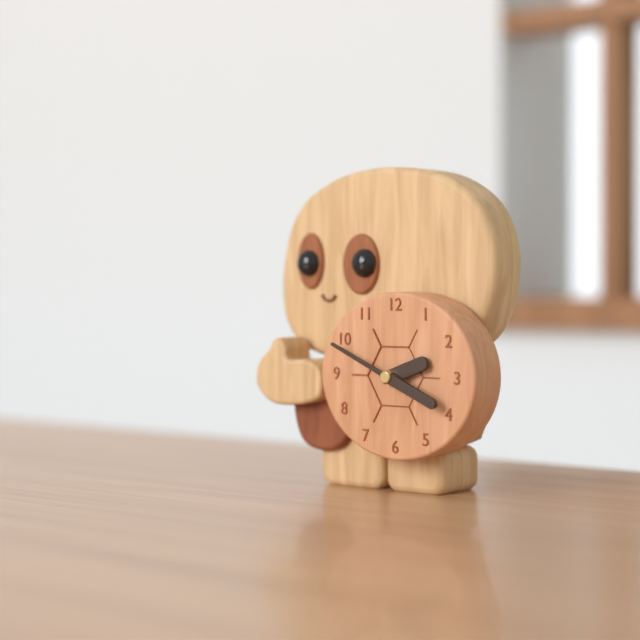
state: 2:19
